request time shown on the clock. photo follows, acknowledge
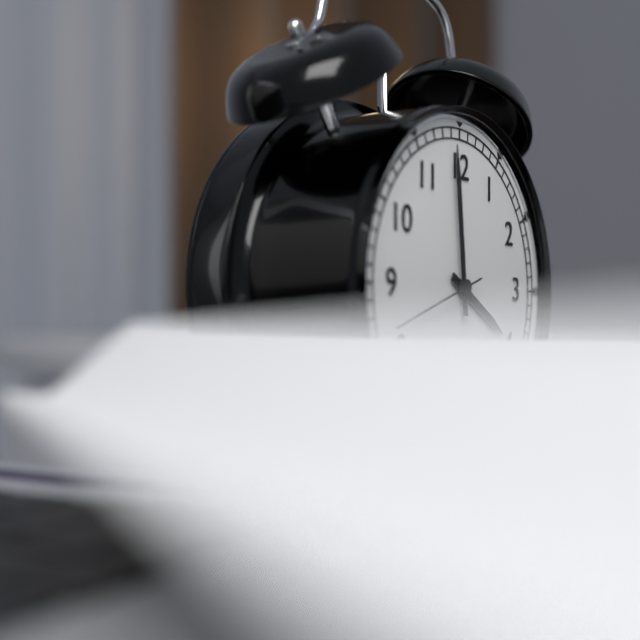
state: 3:59:42
